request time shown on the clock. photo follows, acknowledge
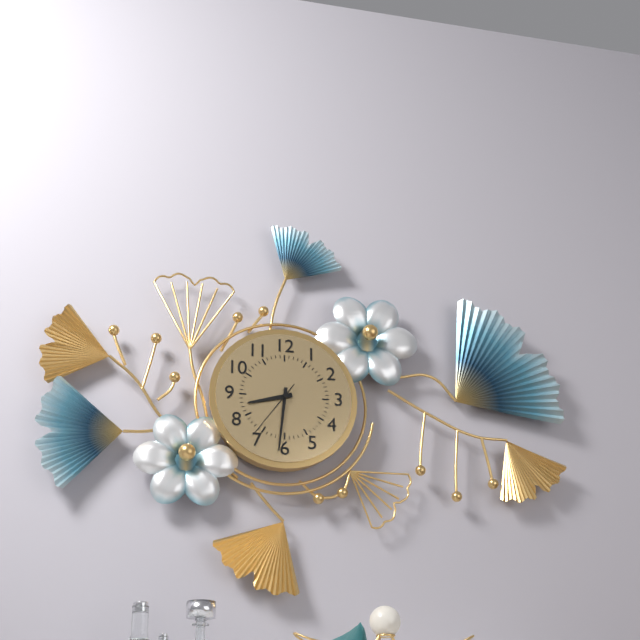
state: 8:31:36
